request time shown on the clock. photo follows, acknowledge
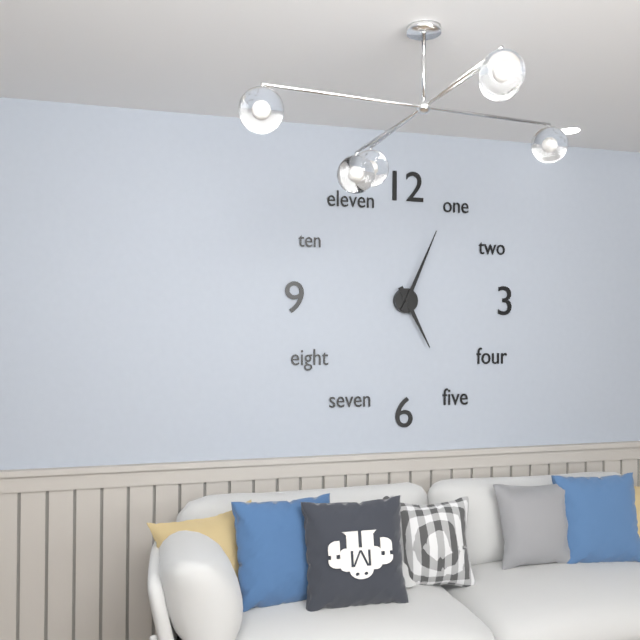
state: 5:04
